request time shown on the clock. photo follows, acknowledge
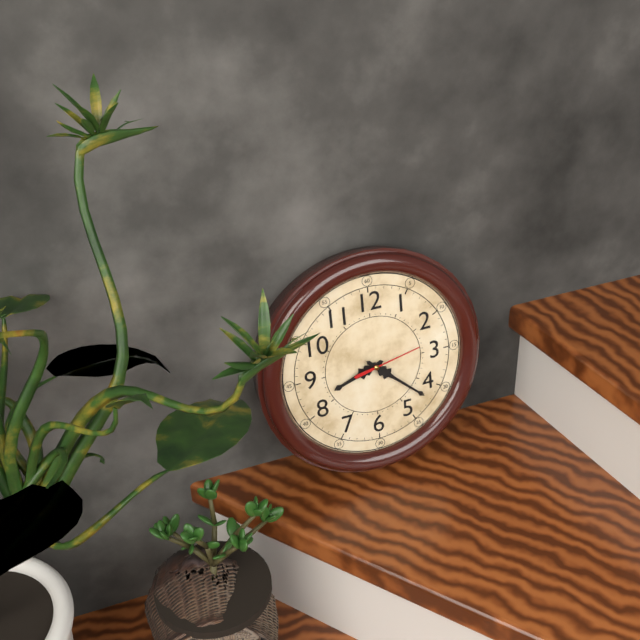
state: 8:22:13
